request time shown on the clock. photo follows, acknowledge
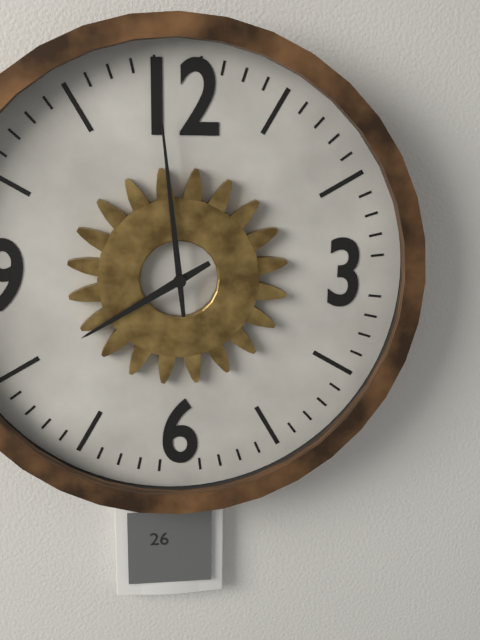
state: 7:59
